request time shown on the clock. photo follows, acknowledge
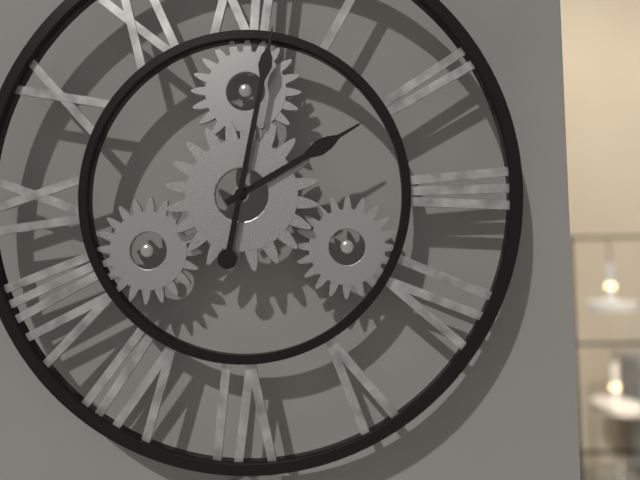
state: 2:02
